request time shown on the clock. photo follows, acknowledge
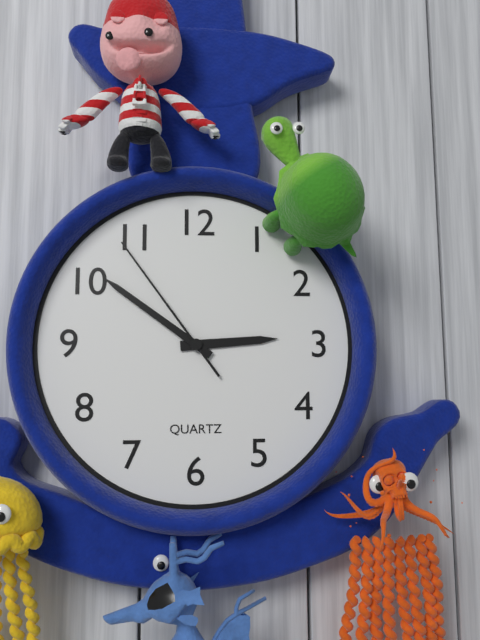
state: 2:51:54
